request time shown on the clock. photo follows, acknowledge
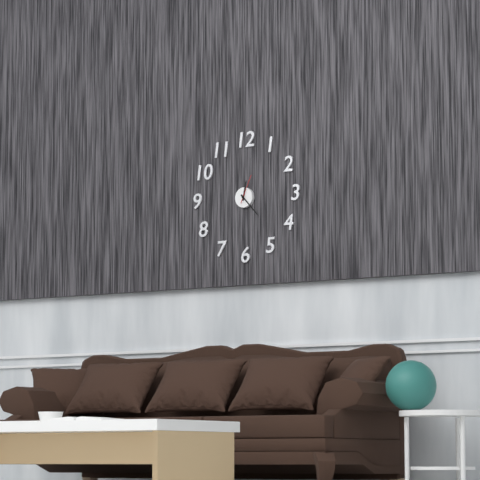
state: 12:23
